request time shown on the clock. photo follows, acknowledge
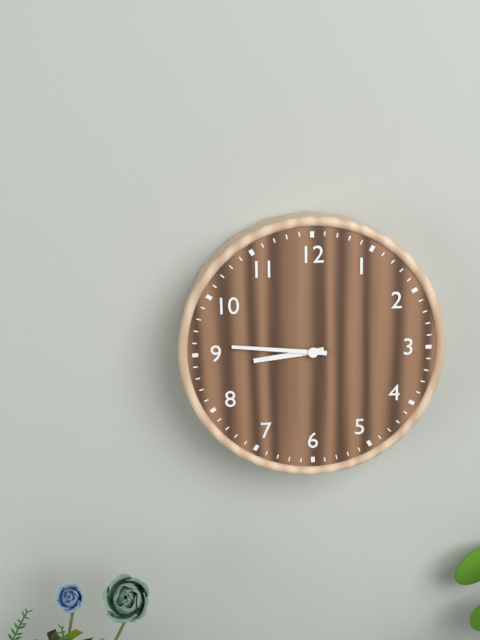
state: 8:46
